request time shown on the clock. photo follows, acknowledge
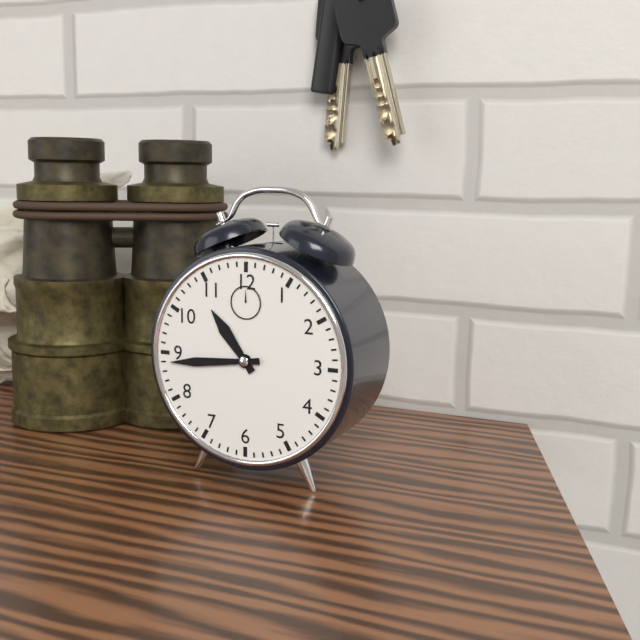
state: 10:44
